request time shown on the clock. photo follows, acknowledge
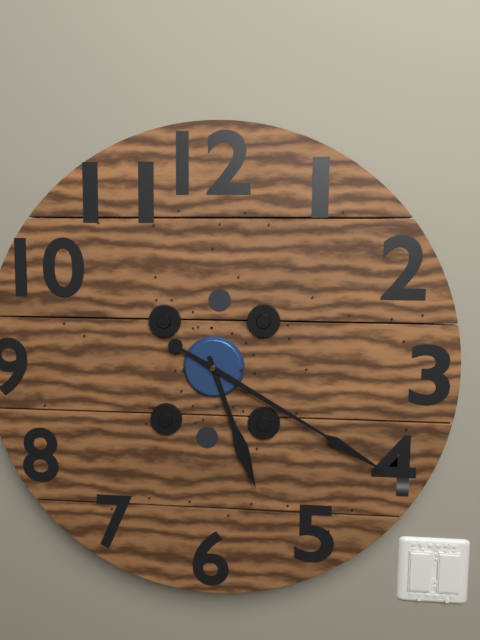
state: 5:20
